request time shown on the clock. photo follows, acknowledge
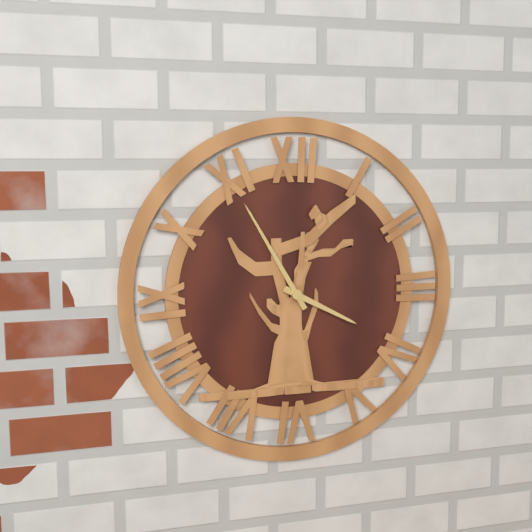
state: 3:55
